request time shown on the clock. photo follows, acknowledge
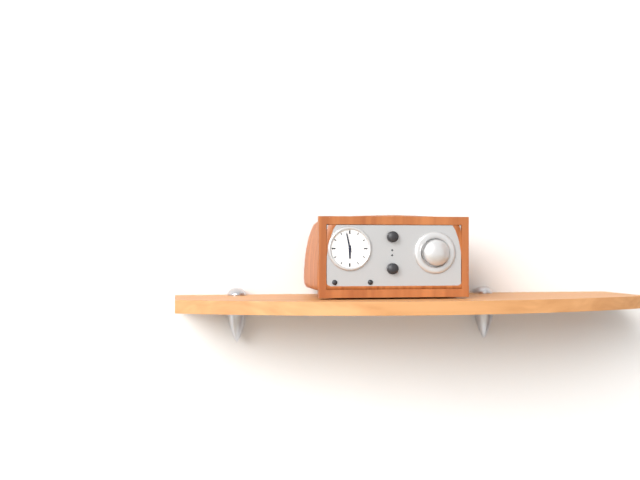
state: 5:58
